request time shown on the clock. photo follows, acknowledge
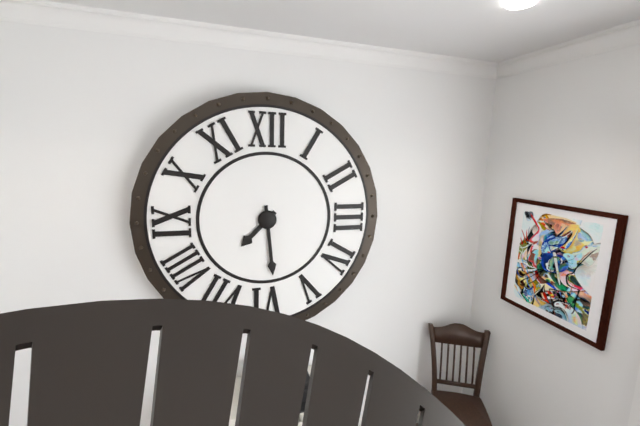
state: 7:29
